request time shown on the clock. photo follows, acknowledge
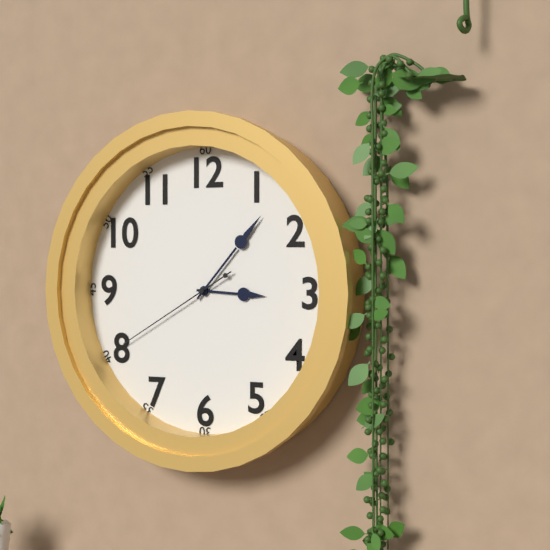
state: 3:07:40
